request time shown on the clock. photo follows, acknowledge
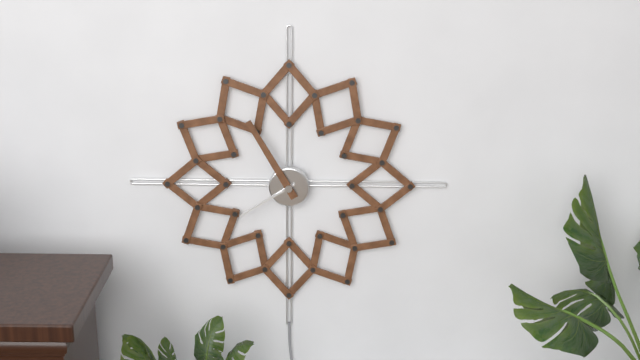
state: 7:55
